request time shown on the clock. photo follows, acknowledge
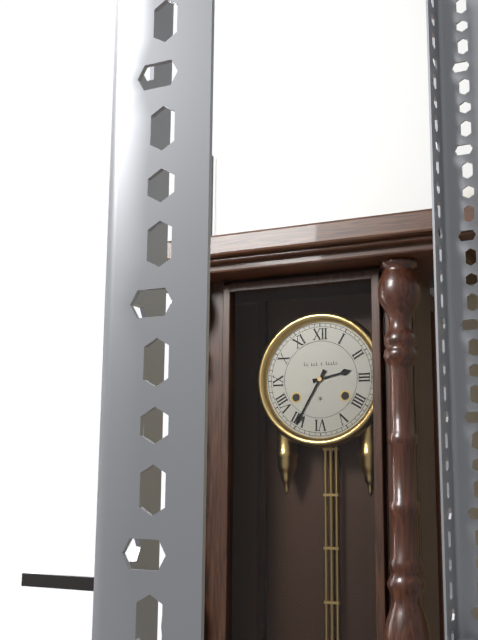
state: 2:35
